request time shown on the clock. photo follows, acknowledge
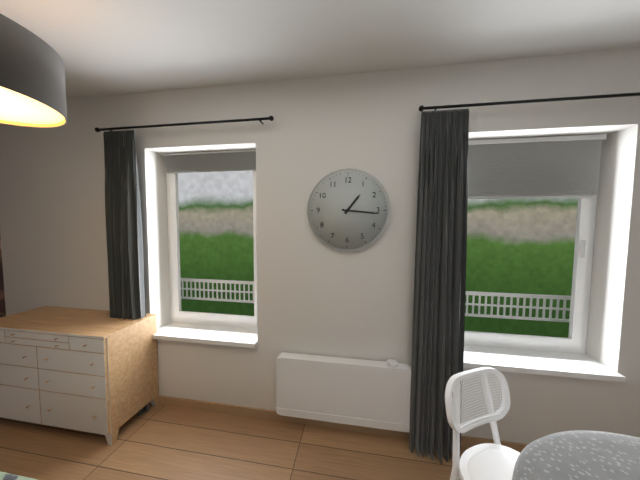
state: 1:16
